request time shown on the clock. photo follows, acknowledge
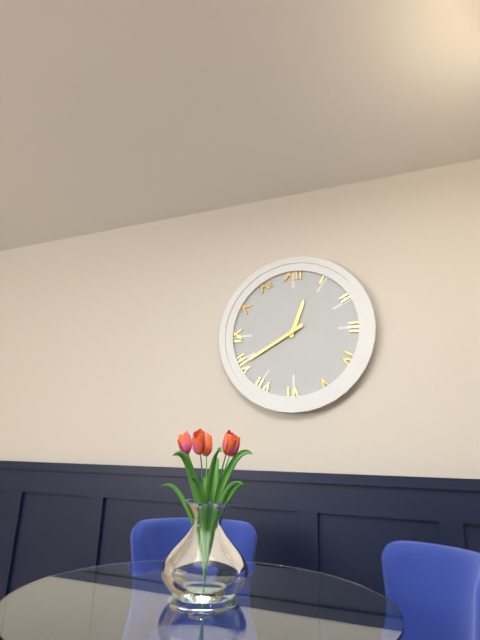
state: 12:40
